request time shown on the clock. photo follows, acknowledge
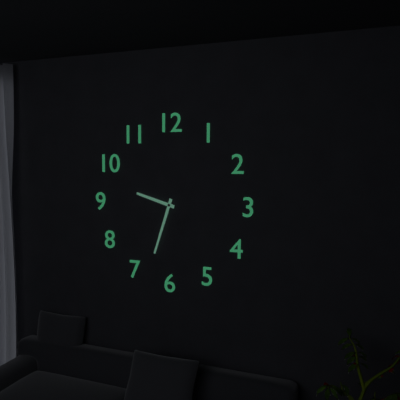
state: 9:33
